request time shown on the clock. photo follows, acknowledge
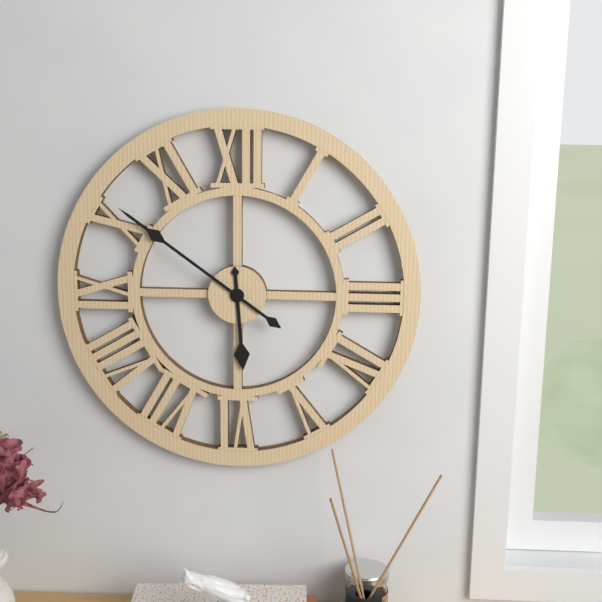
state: 5:51
